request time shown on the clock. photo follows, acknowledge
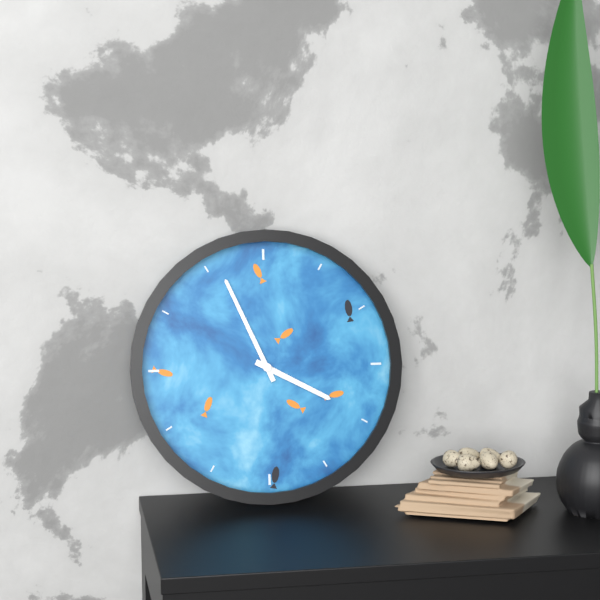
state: 3:56
